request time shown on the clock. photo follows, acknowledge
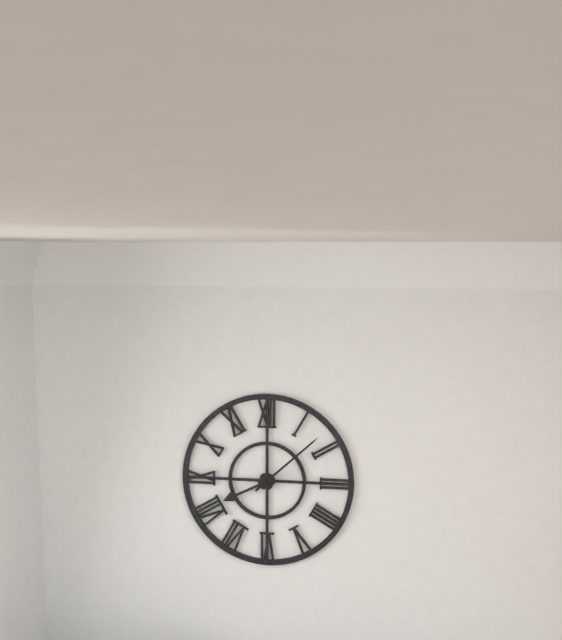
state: 8:08
